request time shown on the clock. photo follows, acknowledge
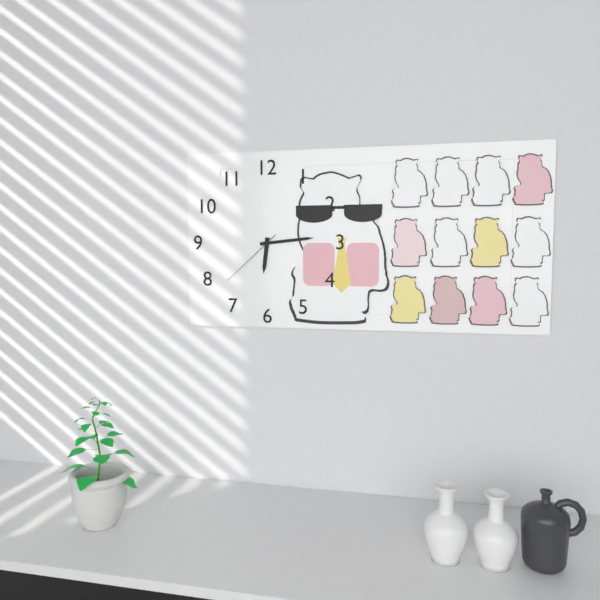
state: 6:14:38
